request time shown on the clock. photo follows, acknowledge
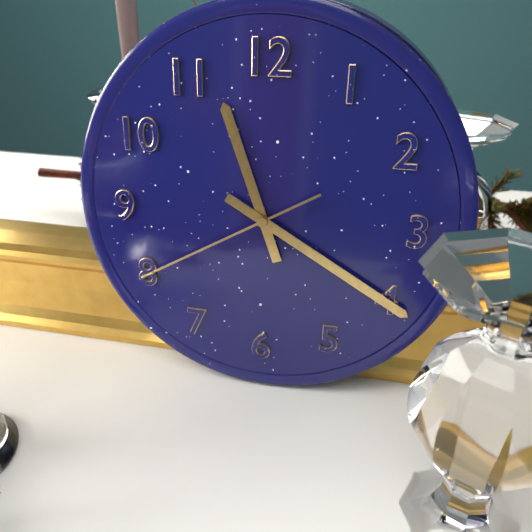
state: 11:20:40
